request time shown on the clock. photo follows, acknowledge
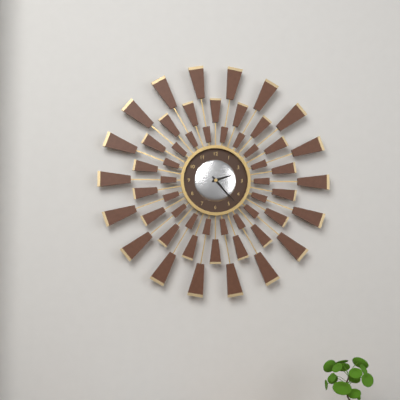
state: 2:23
